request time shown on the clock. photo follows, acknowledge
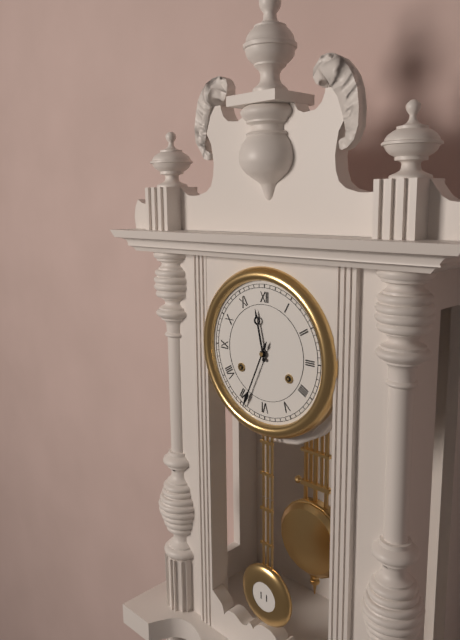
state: 11:34
